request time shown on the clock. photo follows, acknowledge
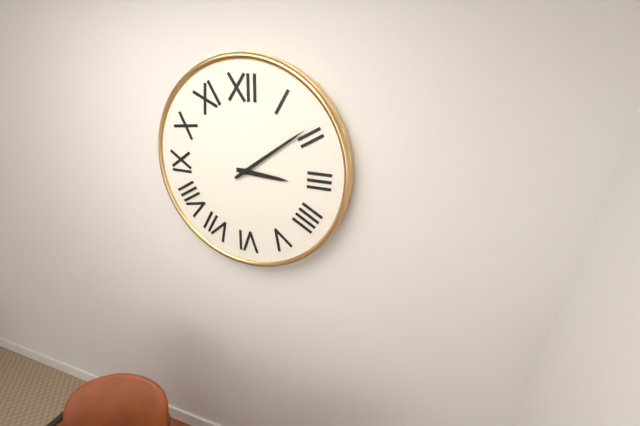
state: 3:09
